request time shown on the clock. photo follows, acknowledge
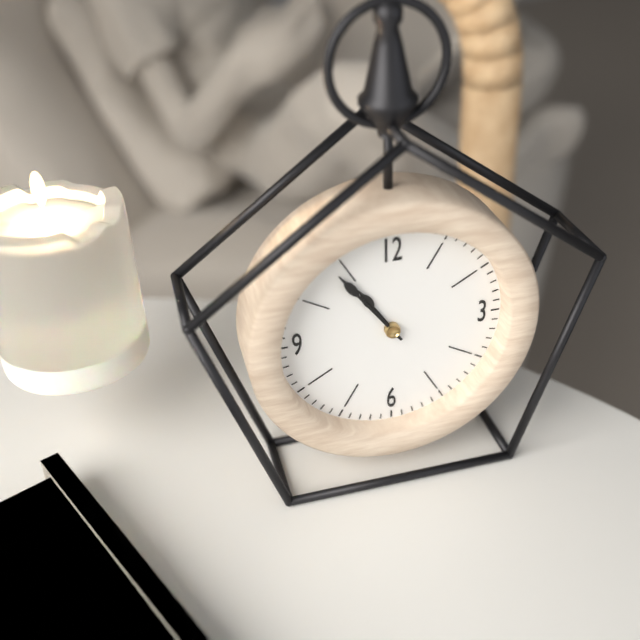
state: 10:54
